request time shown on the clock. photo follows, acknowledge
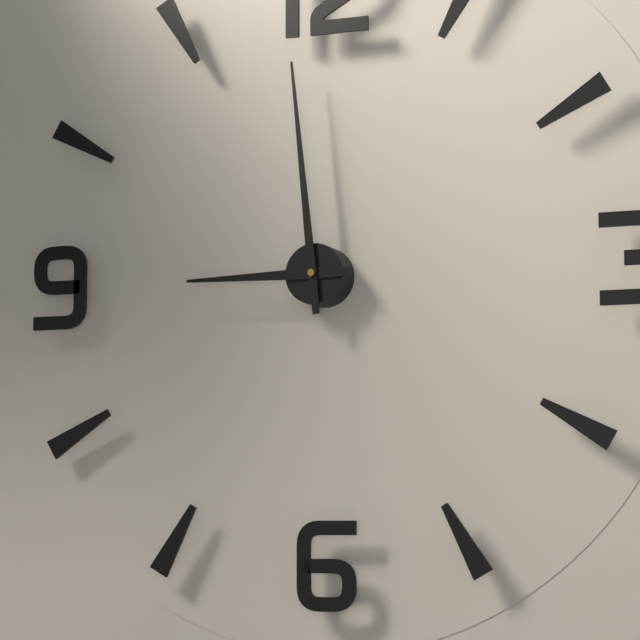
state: 8:59
